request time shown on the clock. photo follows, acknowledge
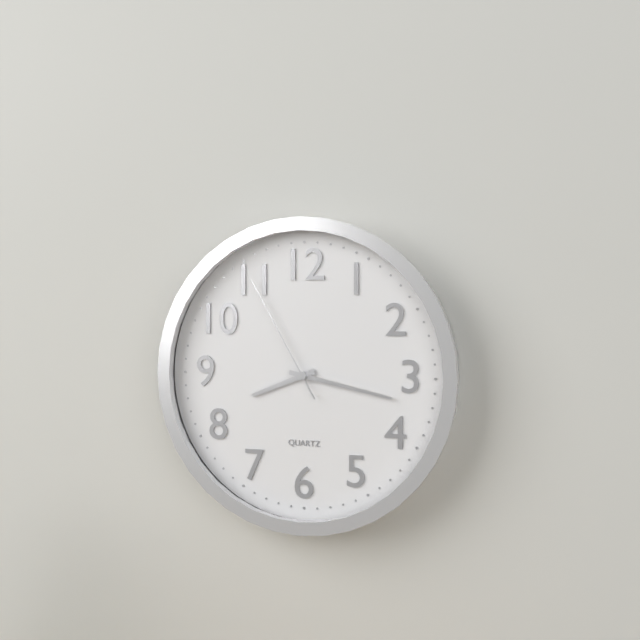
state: 8:17:55
